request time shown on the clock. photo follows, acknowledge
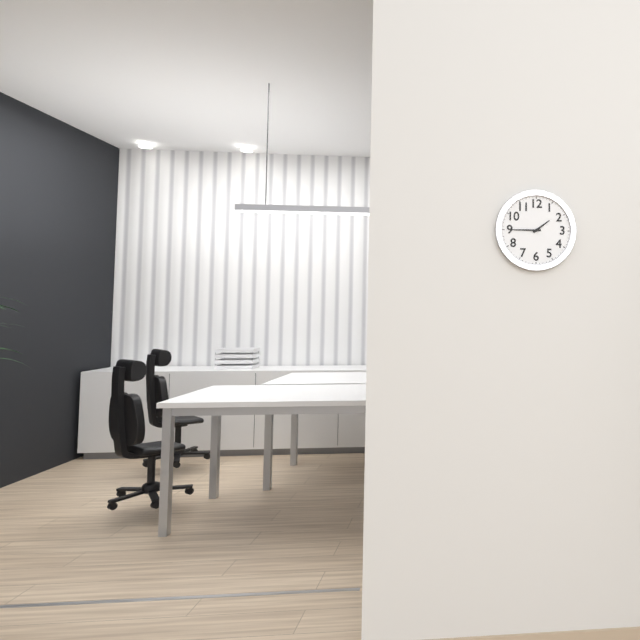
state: 1:45
